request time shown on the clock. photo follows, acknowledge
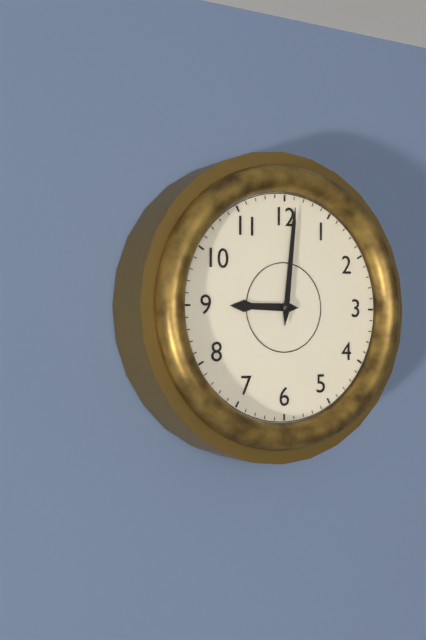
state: 9:01
